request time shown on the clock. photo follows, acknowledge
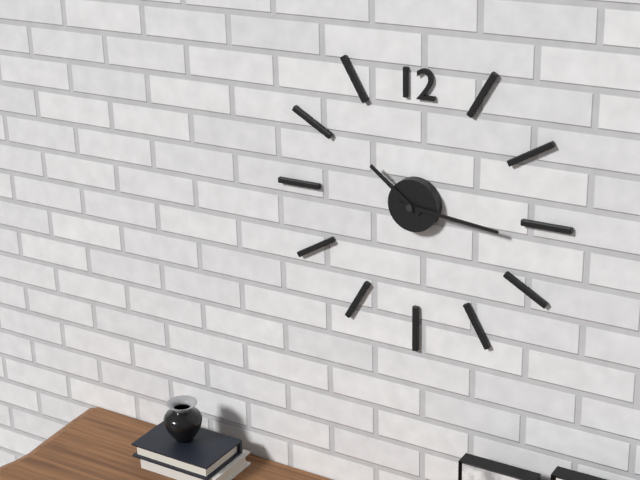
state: 10:16
